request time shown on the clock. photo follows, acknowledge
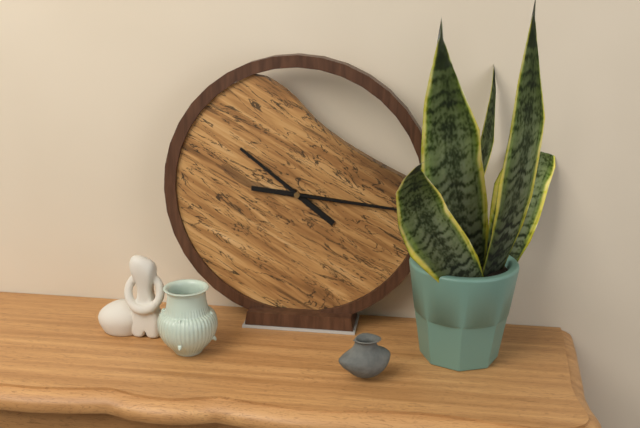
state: 10:16
